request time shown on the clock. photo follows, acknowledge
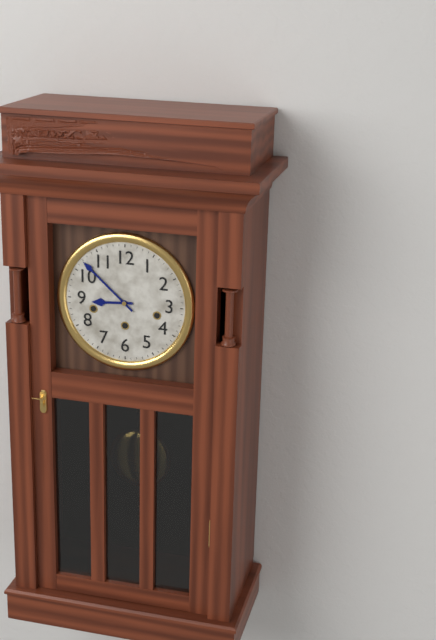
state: 8:52
